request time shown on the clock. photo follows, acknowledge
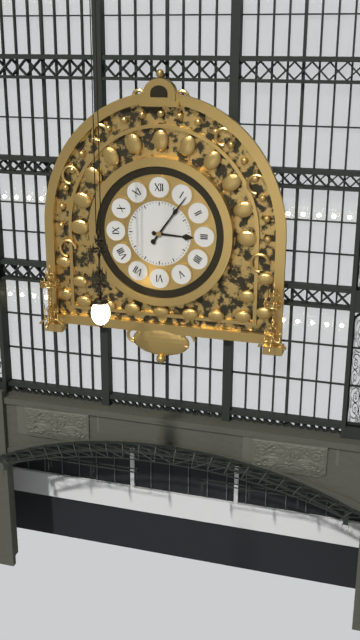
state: 3:06
